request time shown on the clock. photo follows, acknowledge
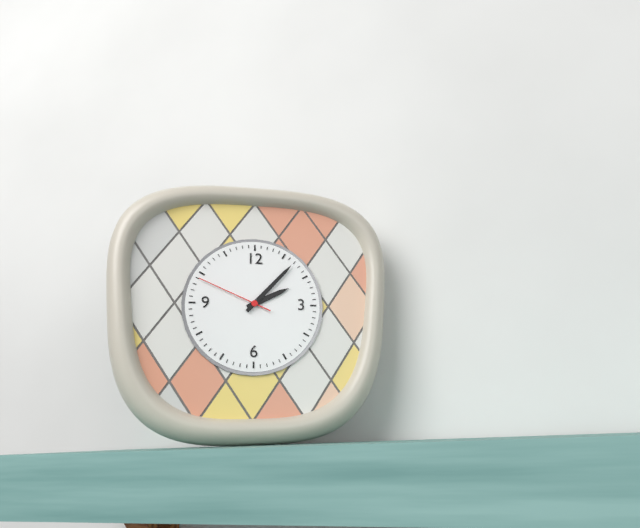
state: 2:07:49
